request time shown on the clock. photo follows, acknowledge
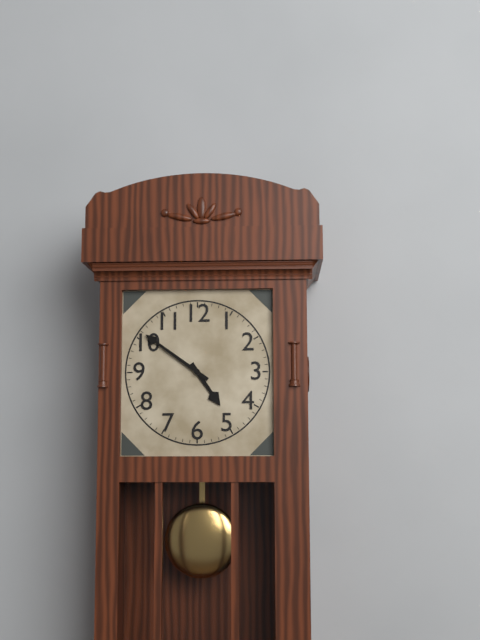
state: 4:51
